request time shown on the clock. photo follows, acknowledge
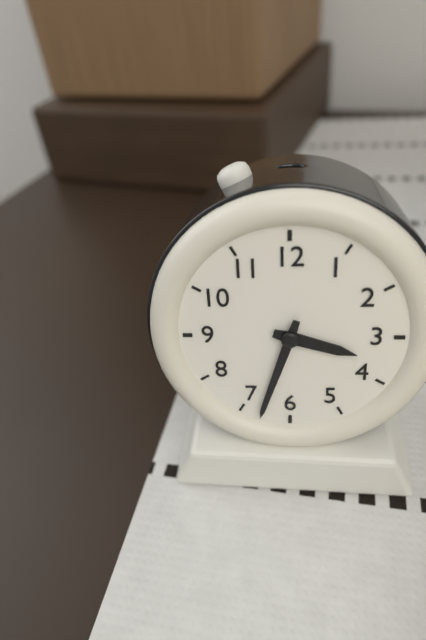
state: 3:33
